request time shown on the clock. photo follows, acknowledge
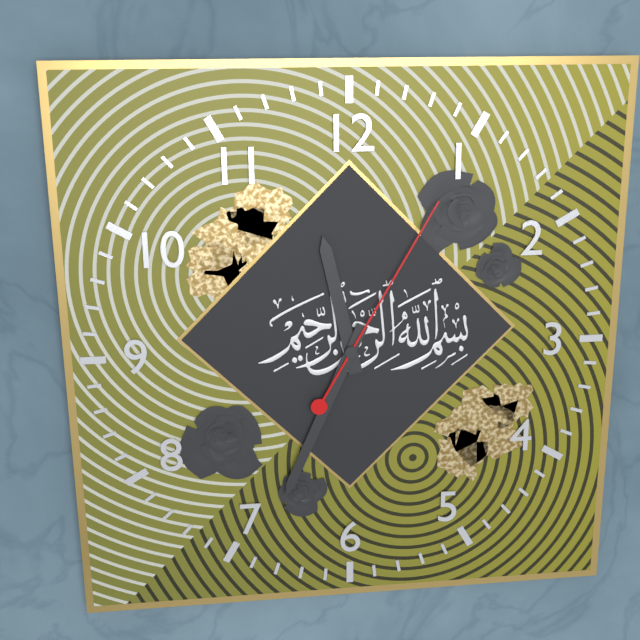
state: 11:34:05
